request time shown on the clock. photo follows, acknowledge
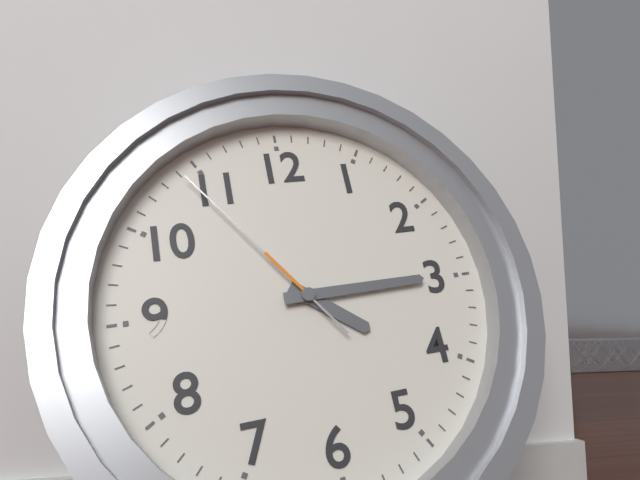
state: 4:15:54
